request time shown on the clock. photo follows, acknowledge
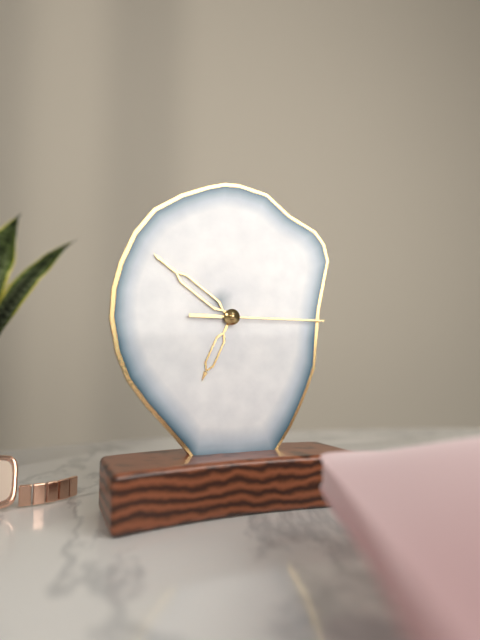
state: 6:51:15
